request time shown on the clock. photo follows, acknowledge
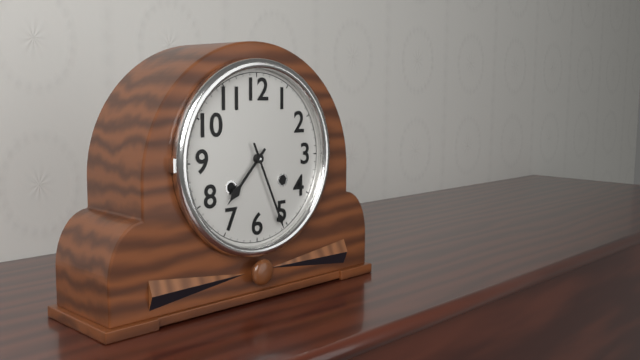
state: 7:26
